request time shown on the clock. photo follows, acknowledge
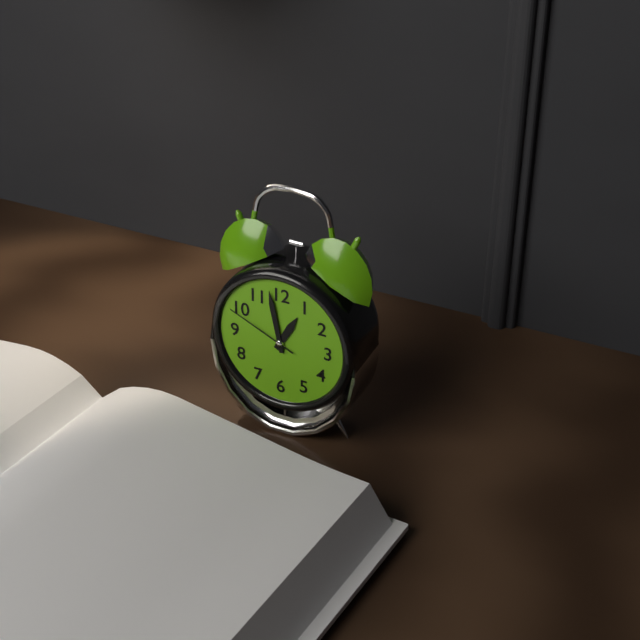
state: 12:58:49
